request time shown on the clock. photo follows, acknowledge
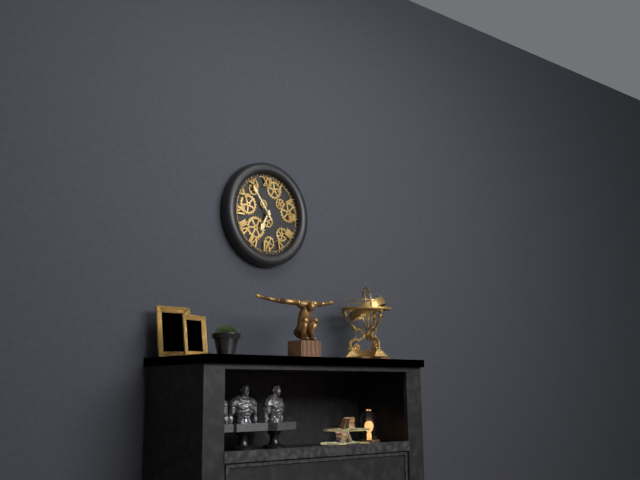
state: 6:54
